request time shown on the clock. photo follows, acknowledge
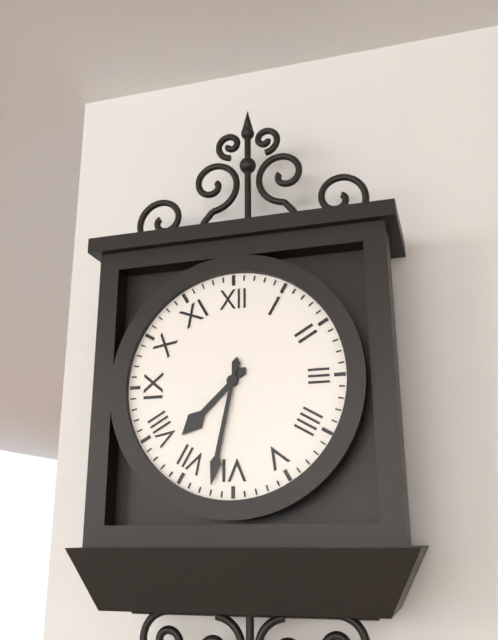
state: 7:32
